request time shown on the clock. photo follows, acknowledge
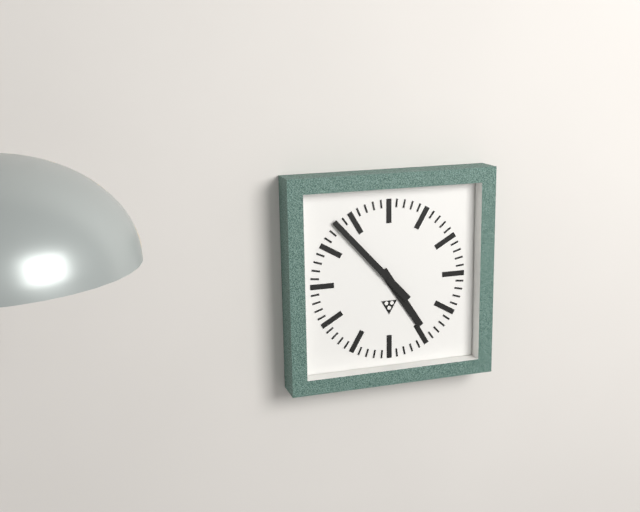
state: 4:53
